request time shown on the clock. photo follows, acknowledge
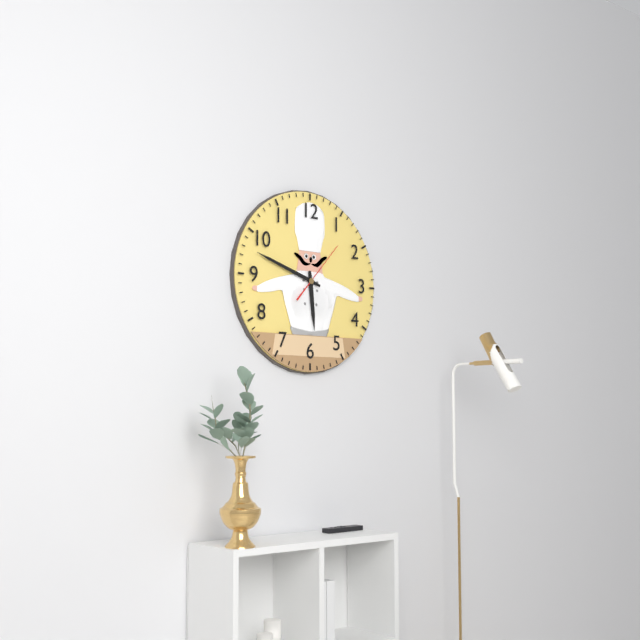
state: 5:48:07
